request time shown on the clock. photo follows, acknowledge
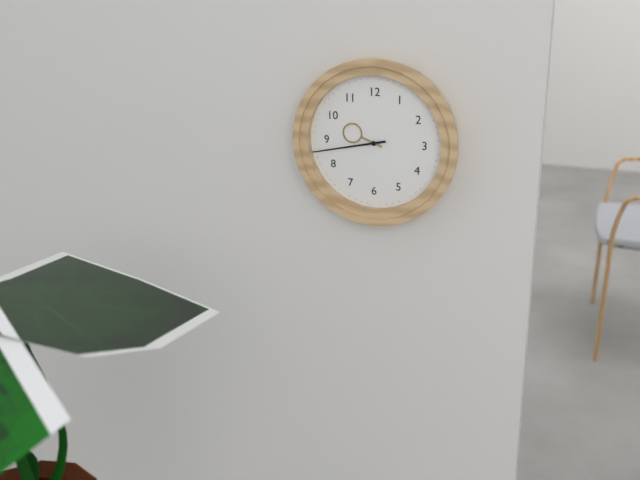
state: 9:43
